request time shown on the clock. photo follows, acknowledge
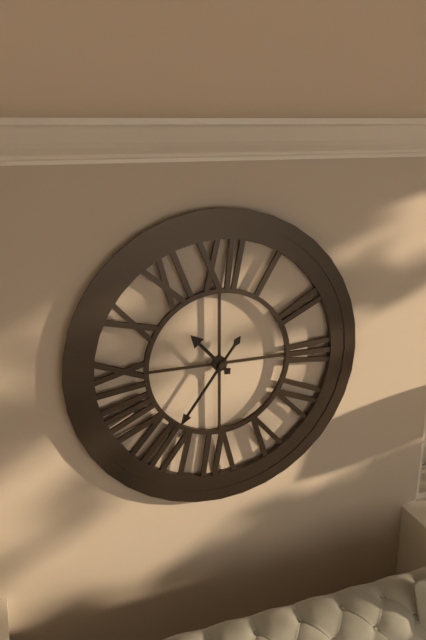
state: 10:36
